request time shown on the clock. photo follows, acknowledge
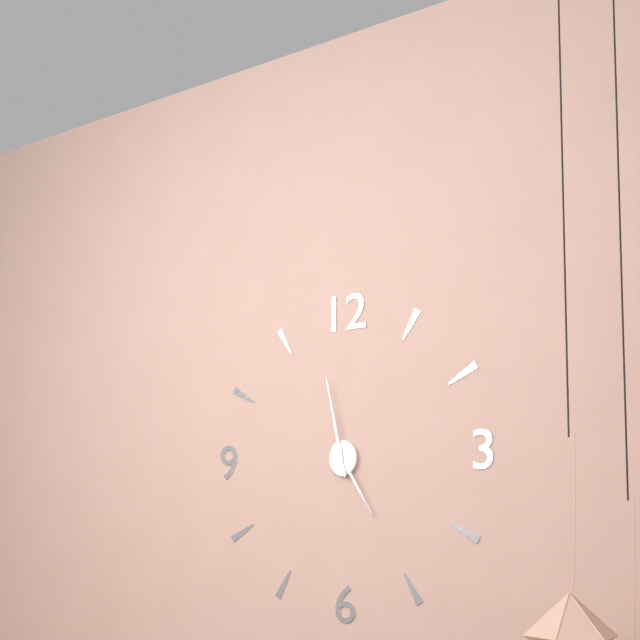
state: 4:58
